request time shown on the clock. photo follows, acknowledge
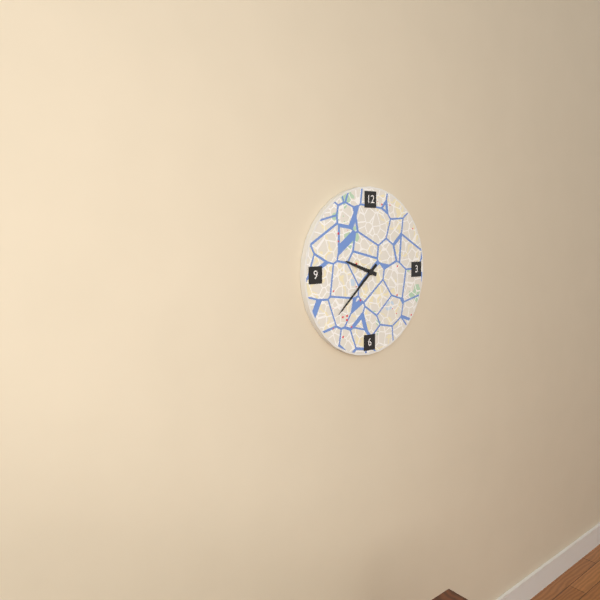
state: 9:38
